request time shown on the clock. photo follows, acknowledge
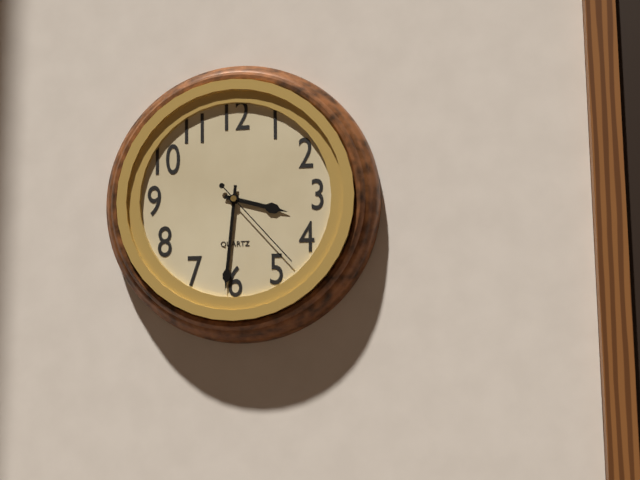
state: 3:31:23
